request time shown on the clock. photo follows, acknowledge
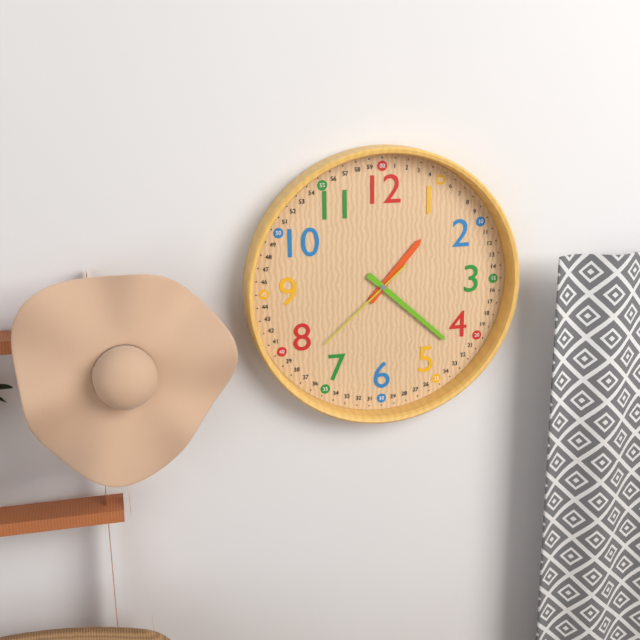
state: 1:22:38
